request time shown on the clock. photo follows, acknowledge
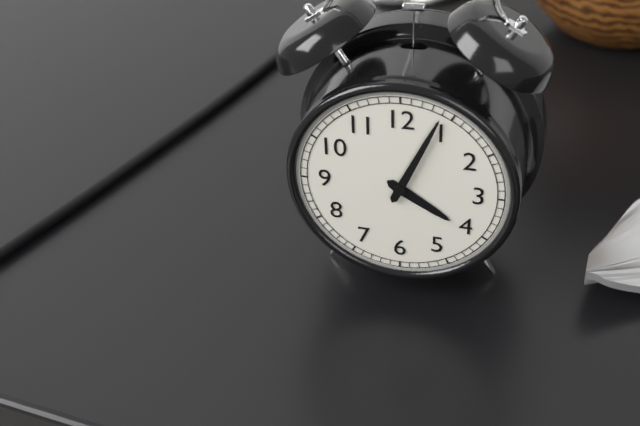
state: 4:04
